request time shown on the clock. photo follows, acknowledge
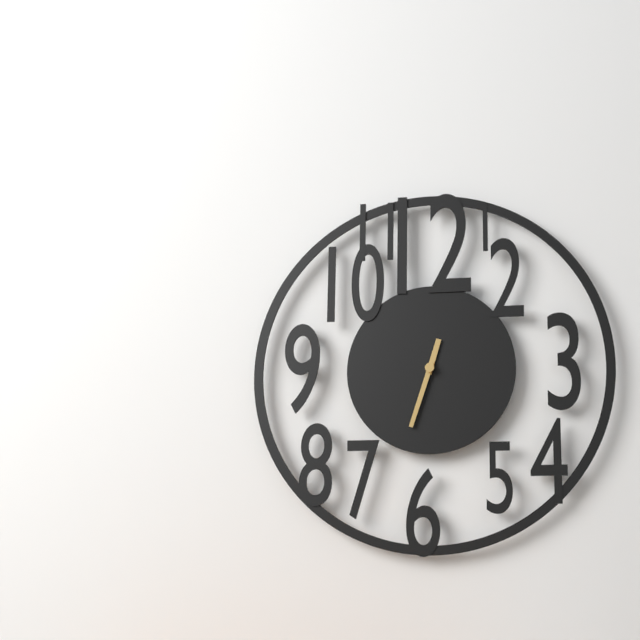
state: 12:33
